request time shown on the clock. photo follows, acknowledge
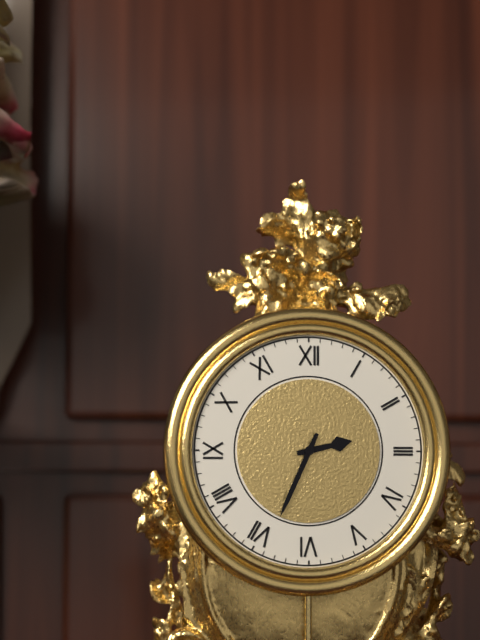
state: 2:34
